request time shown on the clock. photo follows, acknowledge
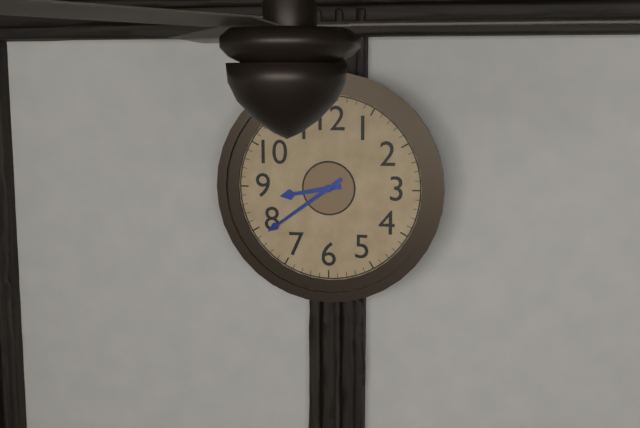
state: 8:39
